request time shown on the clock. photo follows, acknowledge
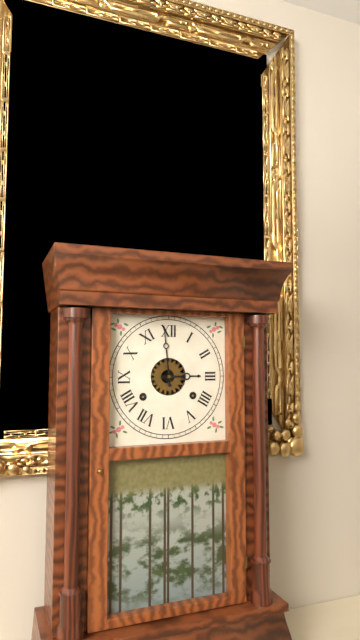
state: 2:59
